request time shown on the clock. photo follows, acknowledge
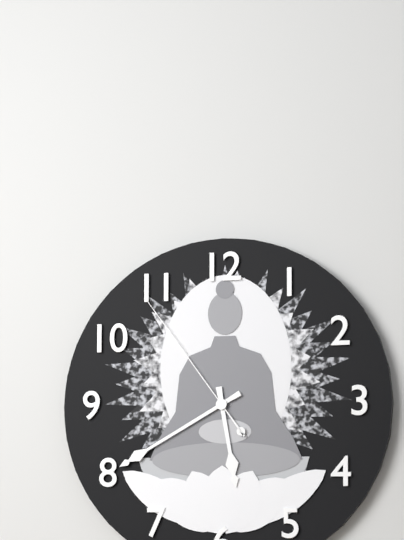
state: 5:40:54
